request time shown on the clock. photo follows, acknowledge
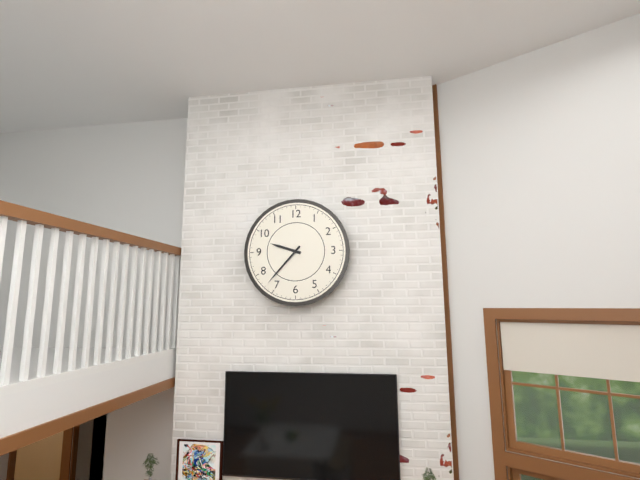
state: 9:37
